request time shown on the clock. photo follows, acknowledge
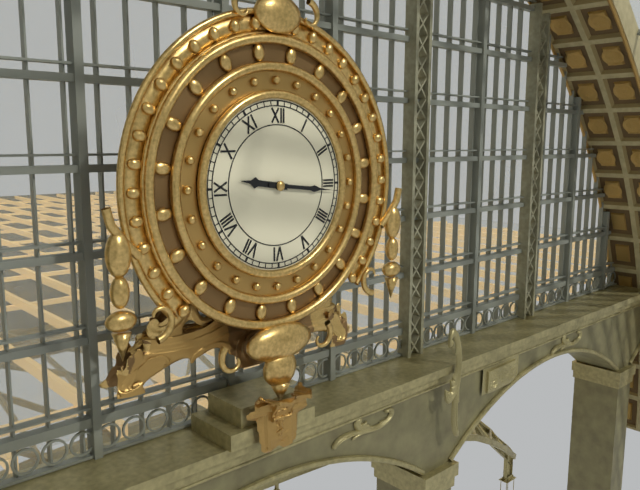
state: 9:16
